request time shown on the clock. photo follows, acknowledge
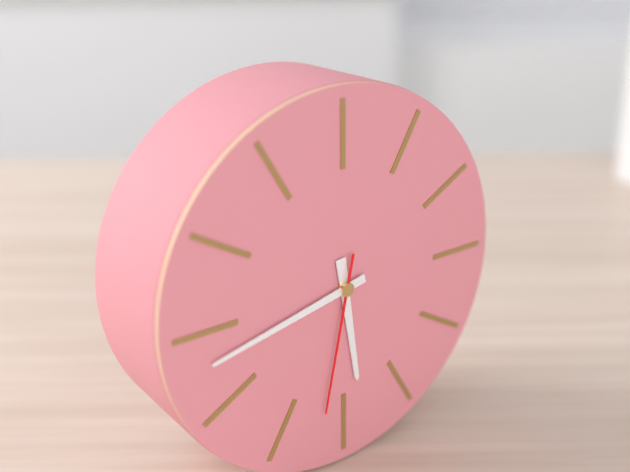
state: 5:43:32
